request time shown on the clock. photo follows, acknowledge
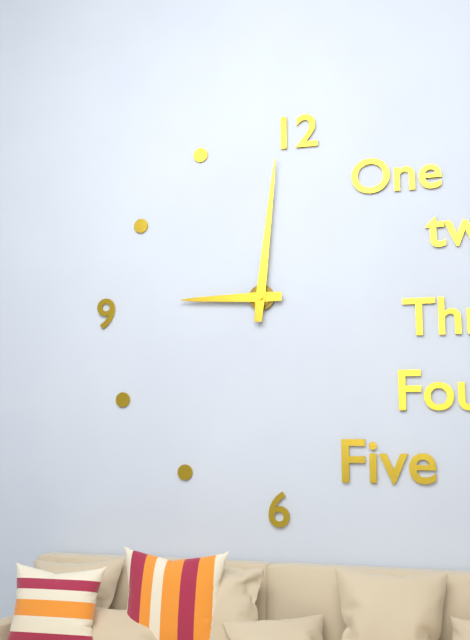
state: 9:01
